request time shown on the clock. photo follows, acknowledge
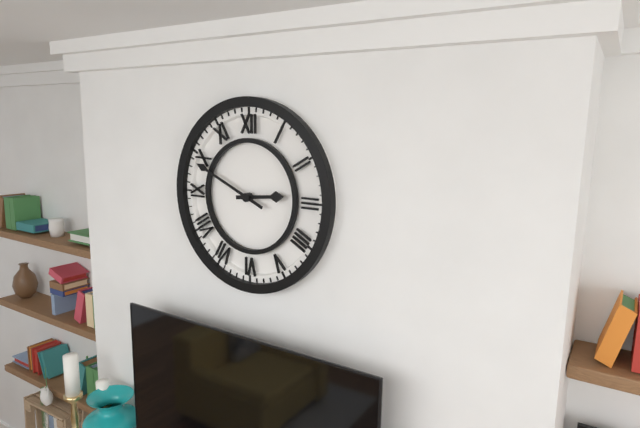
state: 2:49
